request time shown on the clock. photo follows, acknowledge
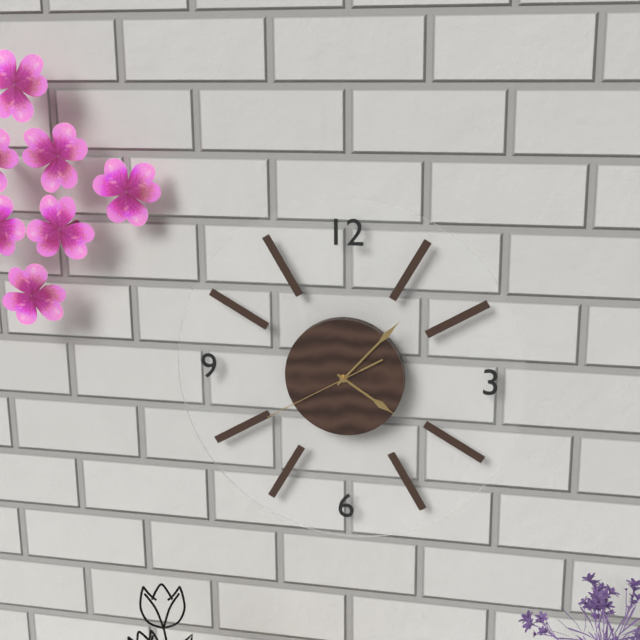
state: 4:07:40
